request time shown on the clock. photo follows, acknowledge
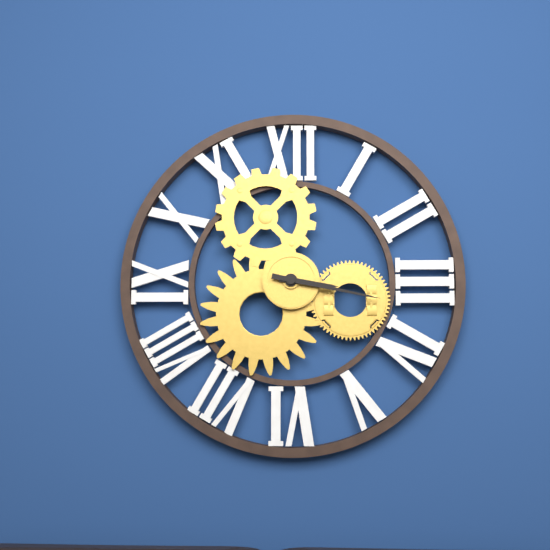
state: 3:17
